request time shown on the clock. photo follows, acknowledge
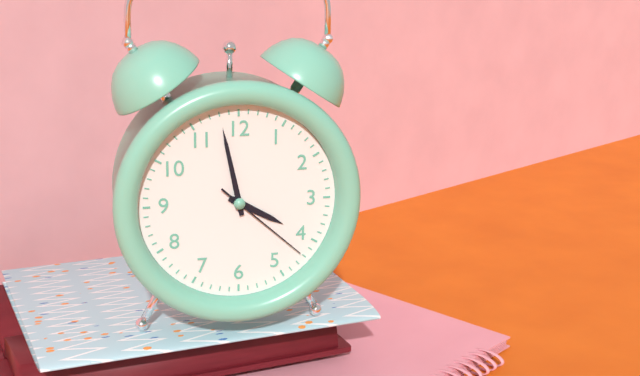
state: 3:58:22
